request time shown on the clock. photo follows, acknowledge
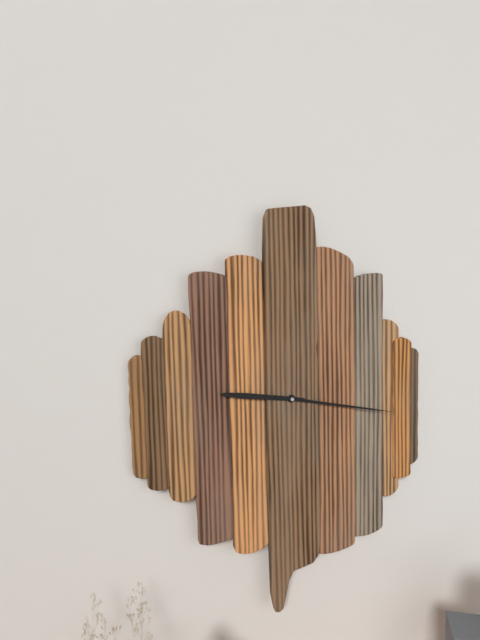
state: 9:17
